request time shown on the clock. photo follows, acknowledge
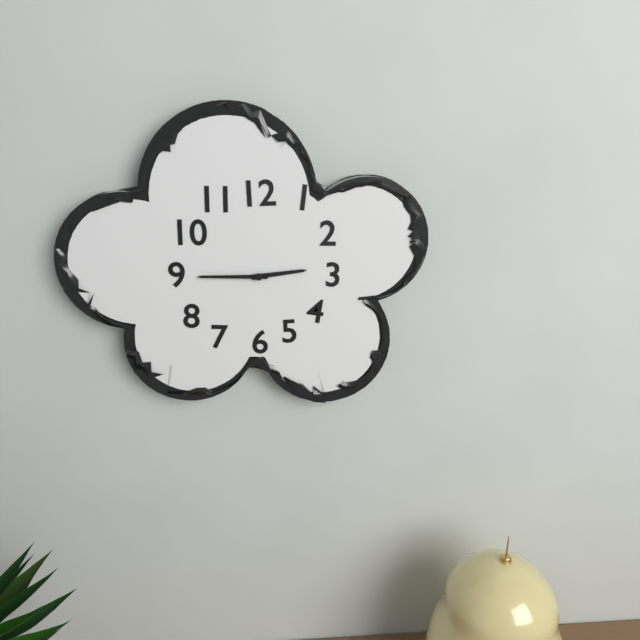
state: 2:45
